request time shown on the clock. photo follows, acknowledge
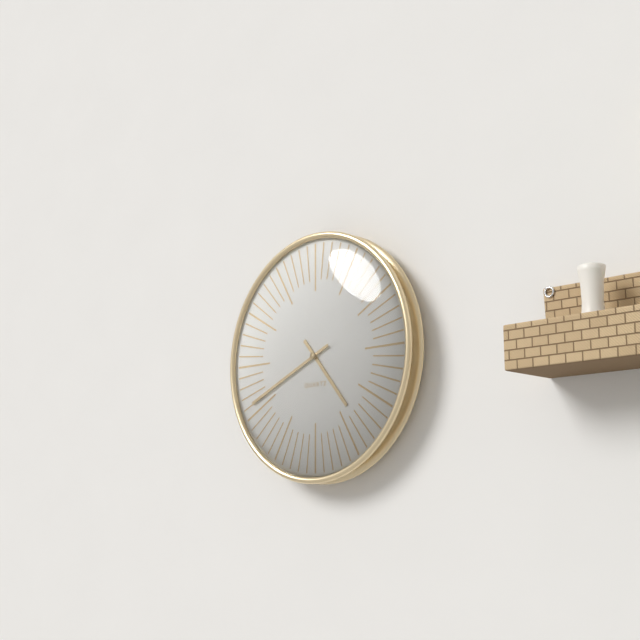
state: 4:41
